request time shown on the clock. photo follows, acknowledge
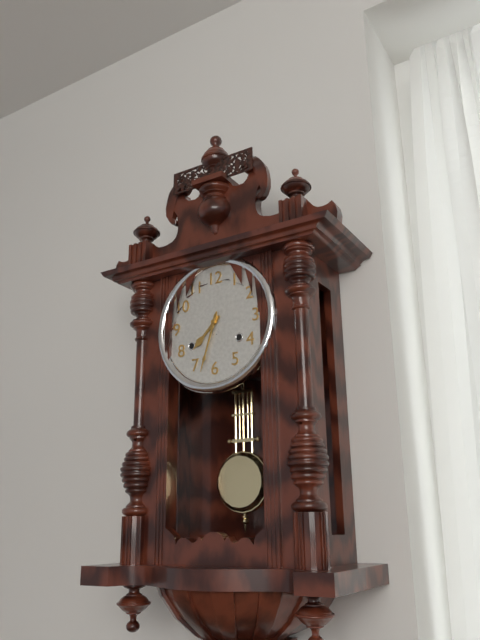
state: 7:33
